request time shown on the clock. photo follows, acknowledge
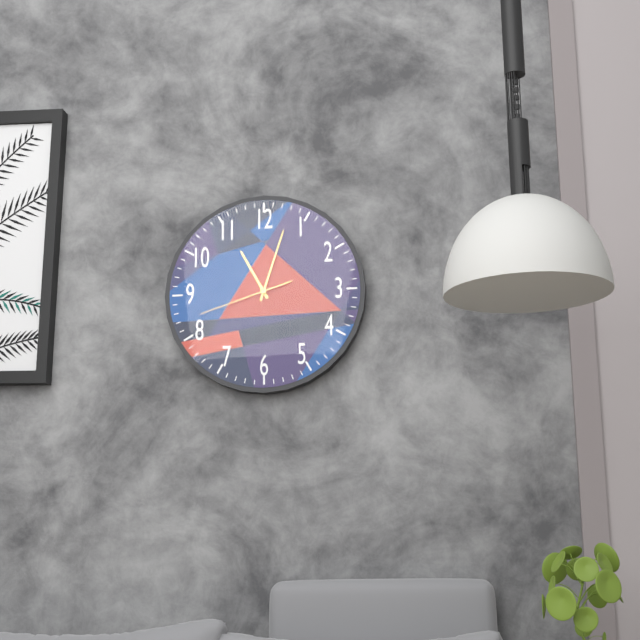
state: 11:03:42
